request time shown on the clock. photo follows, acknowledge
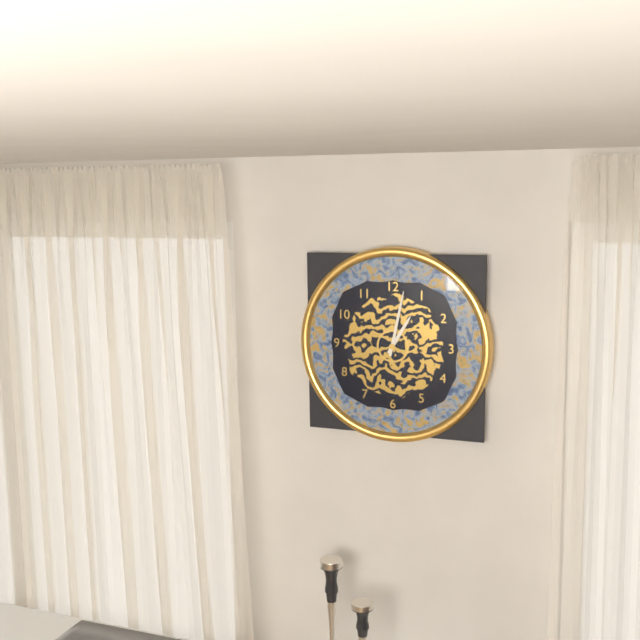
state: 1:02
